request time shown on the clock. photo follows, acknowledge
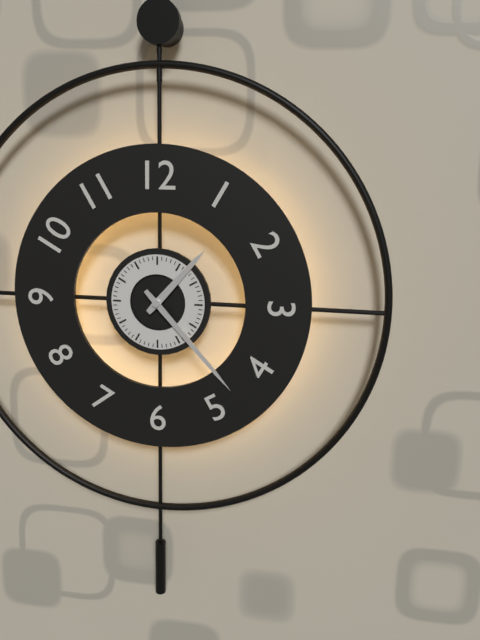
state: 1:23
